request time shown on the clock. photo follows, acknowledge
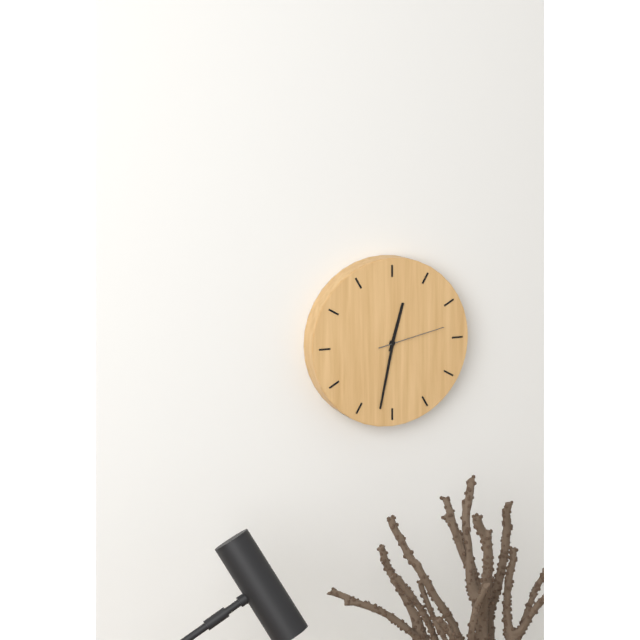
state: 12:32:13
